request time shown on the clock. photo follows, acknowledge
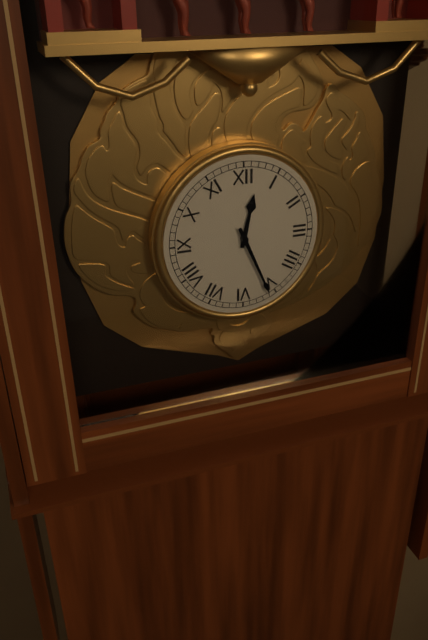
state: 12:26
